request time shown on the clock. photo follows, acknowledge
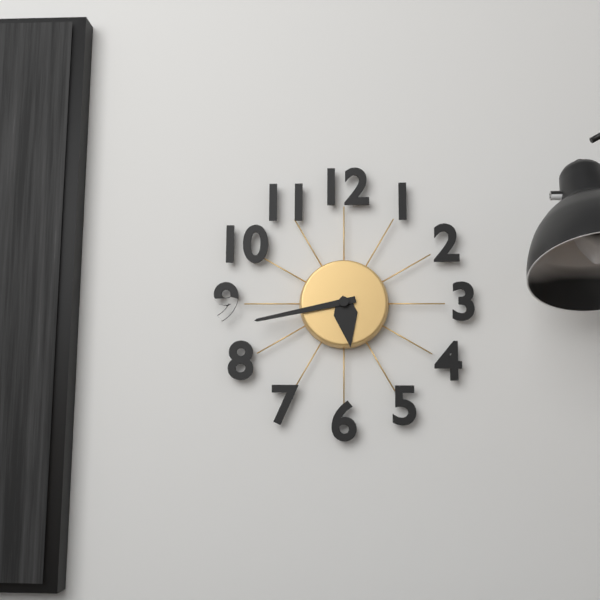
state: 5:43
